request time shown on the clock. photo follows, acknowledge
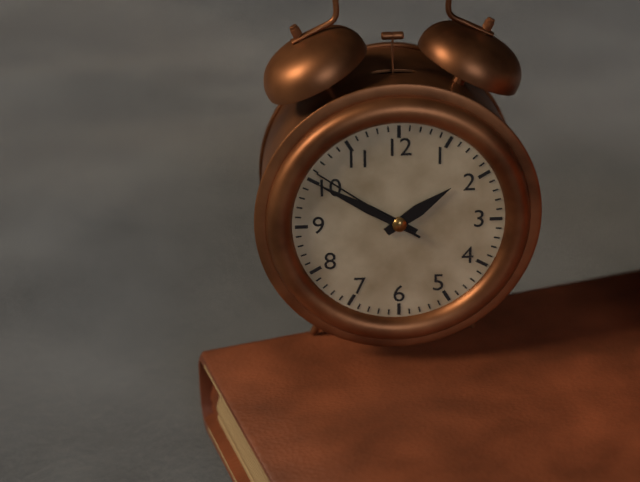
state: 1:50:51
